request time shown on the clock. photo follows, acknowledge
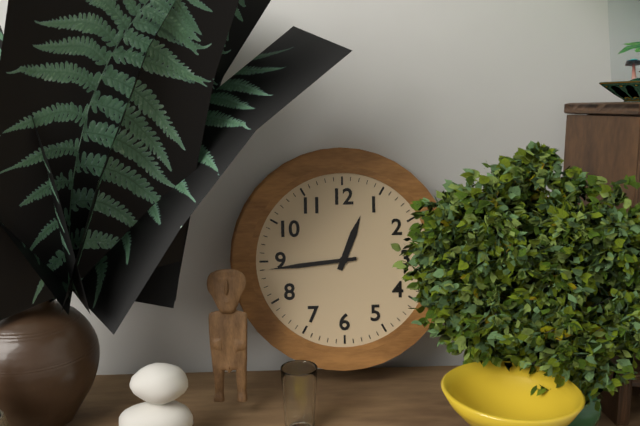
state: 12:44
